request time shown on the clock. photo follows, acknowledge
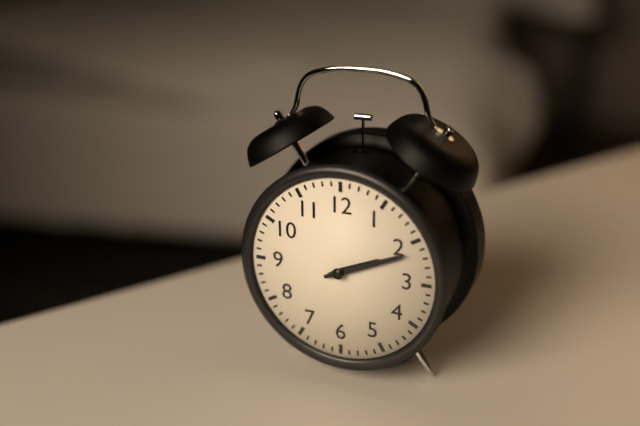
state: 2:11
